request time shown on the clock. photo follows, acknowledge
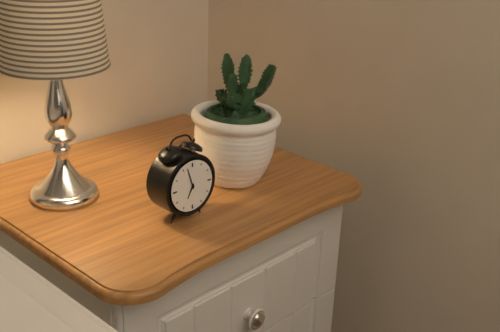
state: 6:57
